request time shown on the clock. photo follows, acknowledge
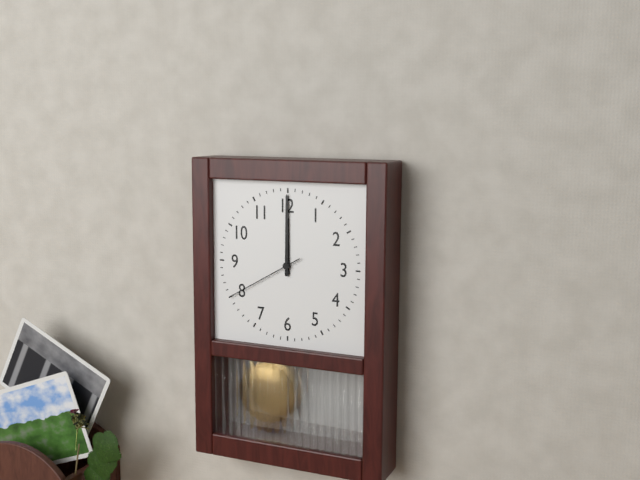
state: 12:00:40
